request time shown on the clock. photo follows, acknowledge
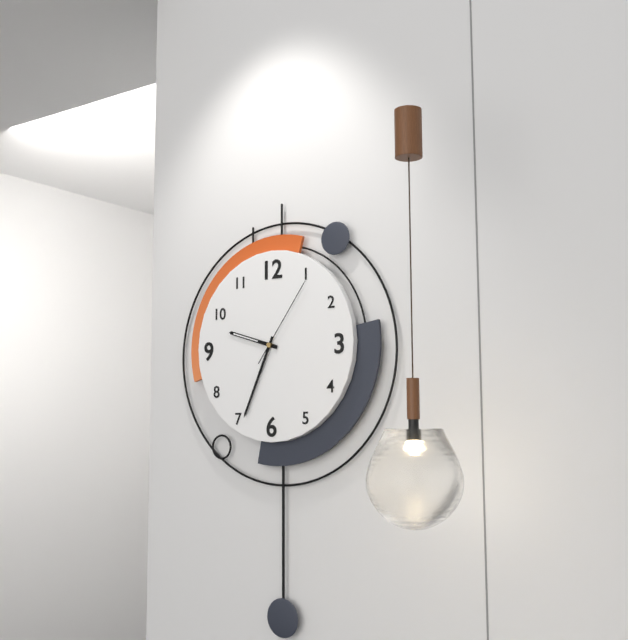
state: 9:34:06
